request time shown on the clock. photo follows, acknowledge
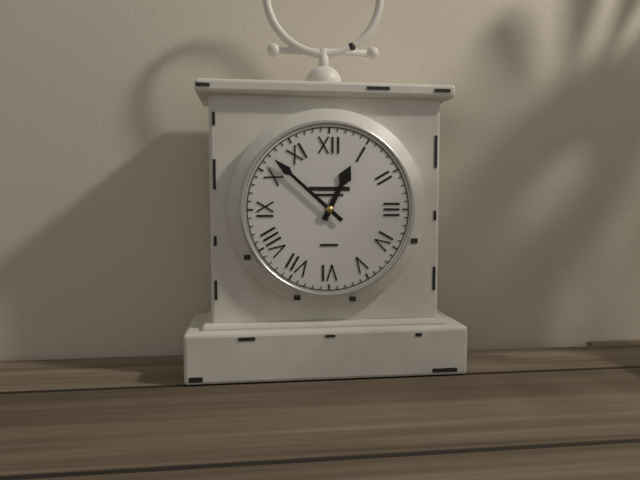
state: 12:52
